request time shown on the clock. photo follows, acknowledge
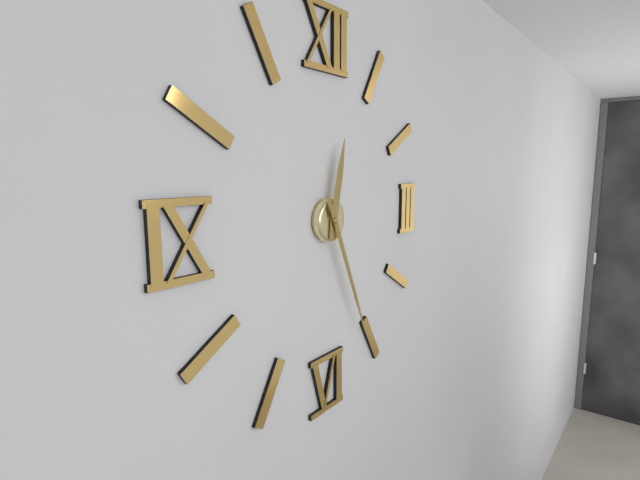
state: 12:26
